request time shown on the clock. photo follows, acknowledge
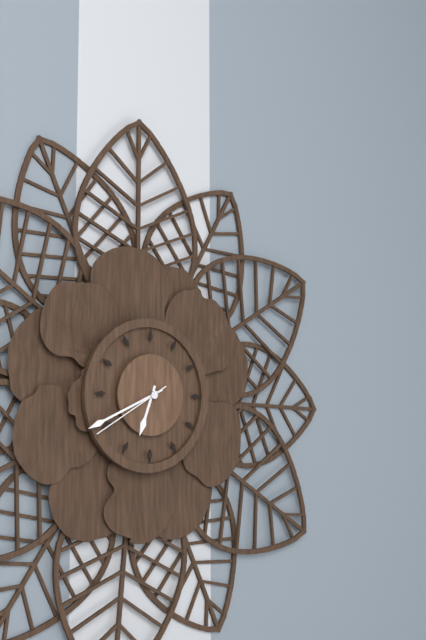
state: 6:41:40
